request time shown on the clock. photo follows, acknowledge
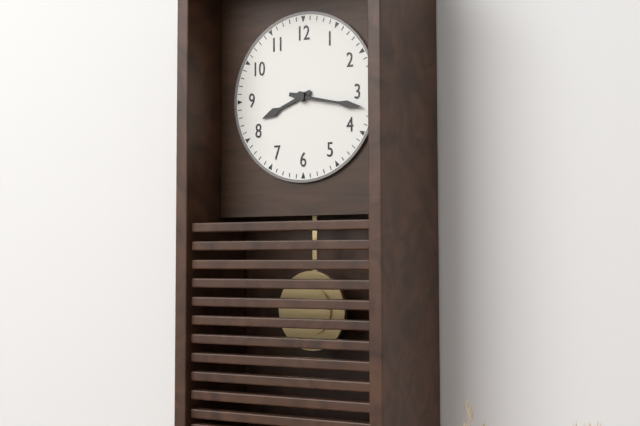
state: 8:17
